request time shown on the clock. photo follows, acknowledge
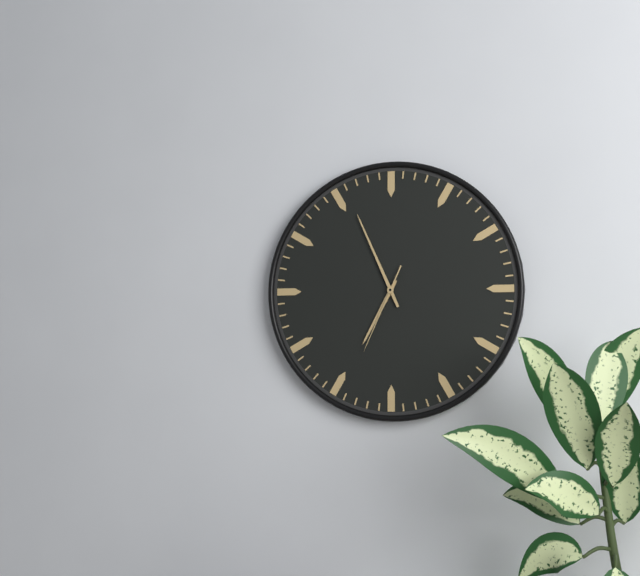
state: 6:56:34
